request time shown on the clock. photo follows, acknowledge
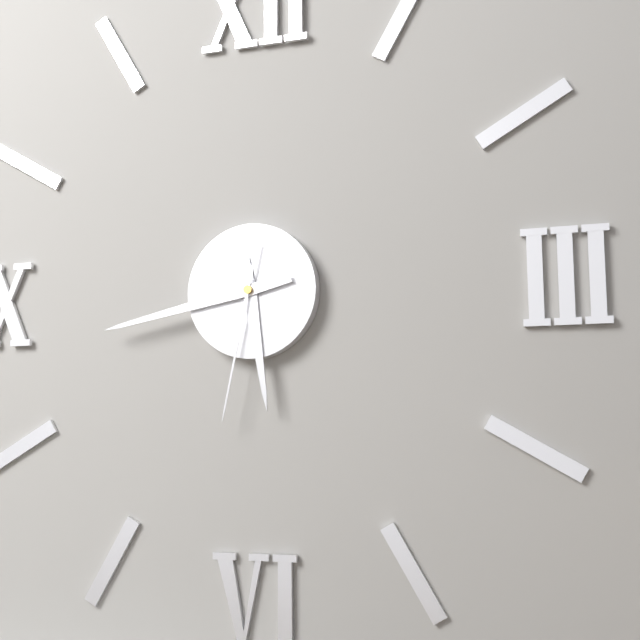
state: 5:43:32
